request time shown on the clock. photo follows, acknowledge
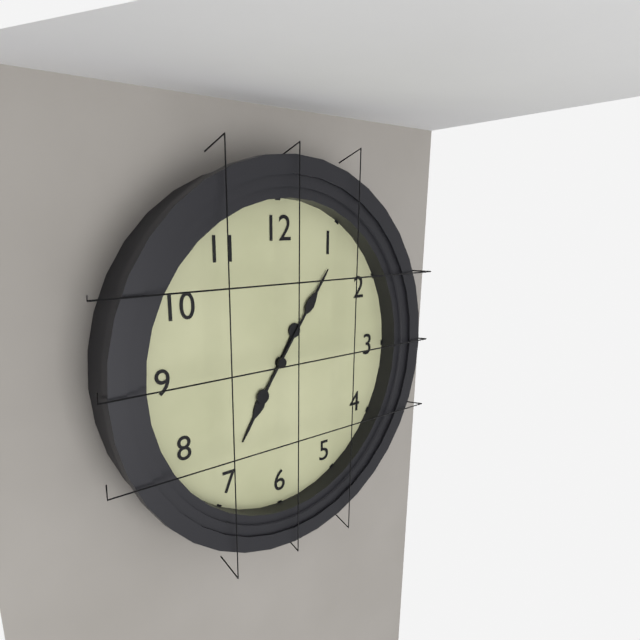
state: 7:06
